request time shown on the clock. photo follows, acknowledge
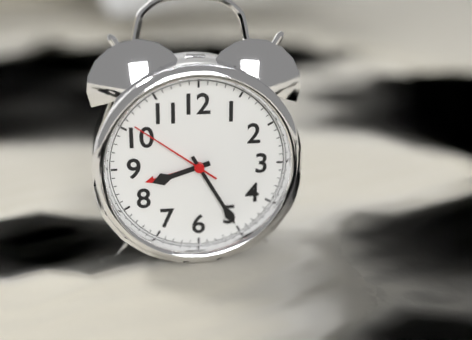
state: 8:25:51
